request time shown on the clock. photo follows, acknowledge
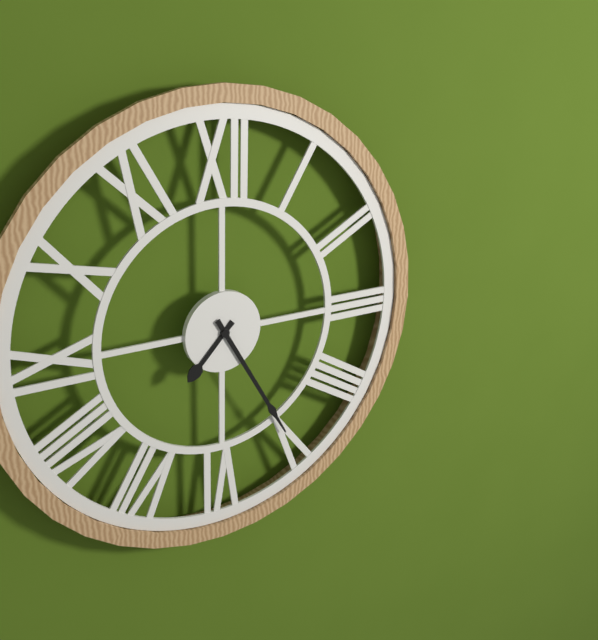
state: 7:25
